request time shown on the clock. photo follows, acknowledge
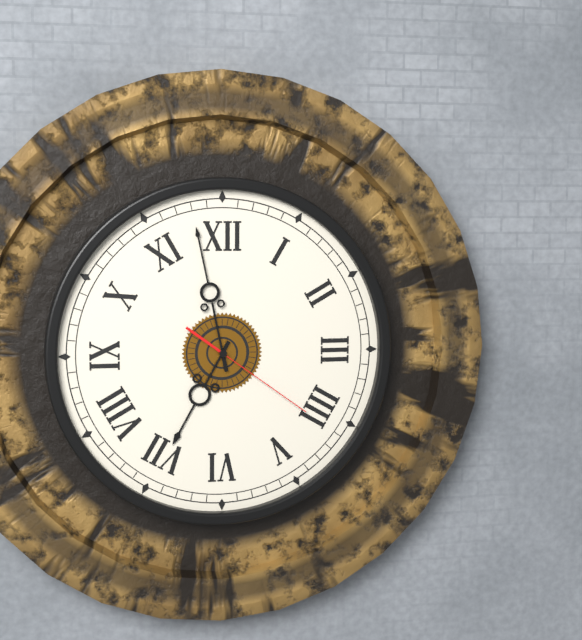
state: 6:58:21
